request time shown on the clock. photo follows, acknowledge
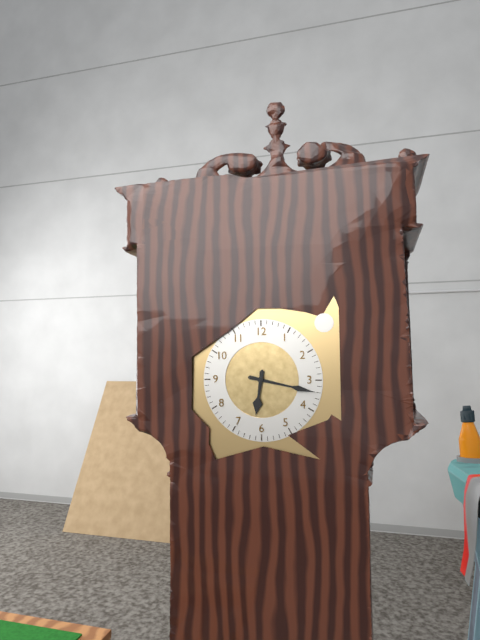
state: 6:17
